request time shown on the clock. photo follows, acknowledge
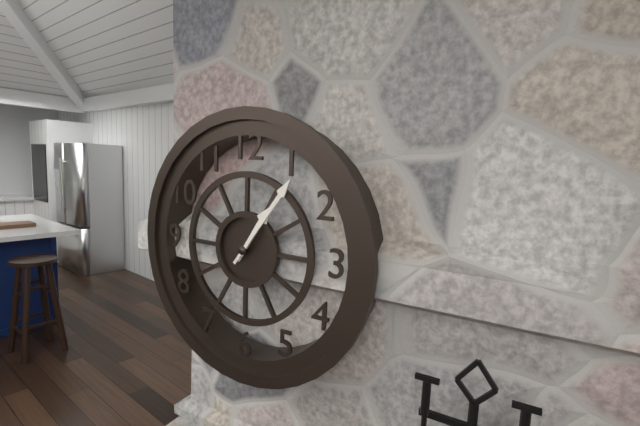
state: 1:06
